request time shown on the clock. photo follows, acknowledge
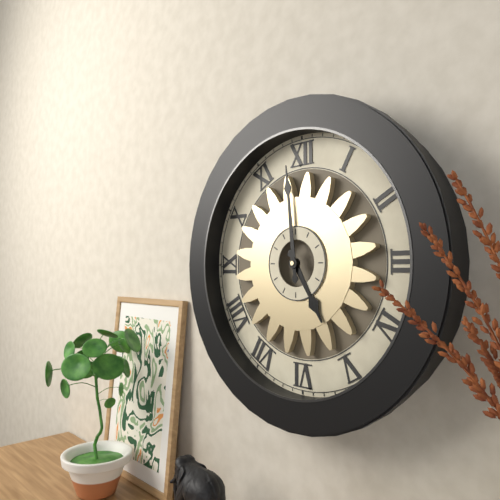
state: 4:59
